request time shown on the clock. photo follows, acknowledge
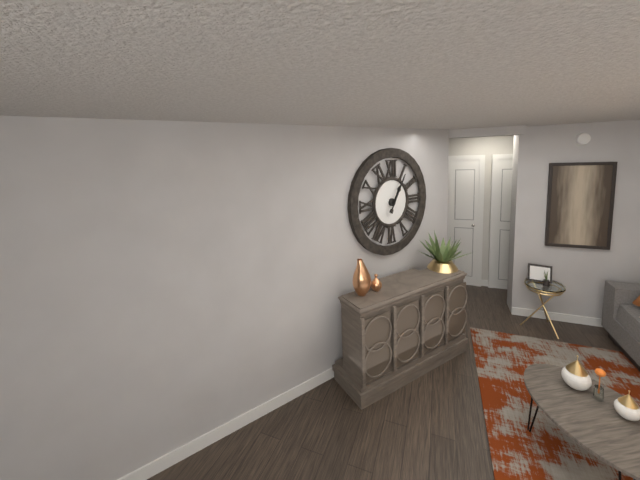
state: 1:05
